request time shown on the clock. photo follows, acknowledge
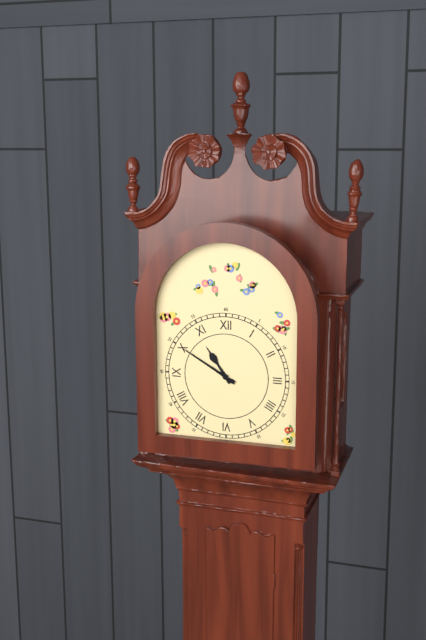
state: 10:50
